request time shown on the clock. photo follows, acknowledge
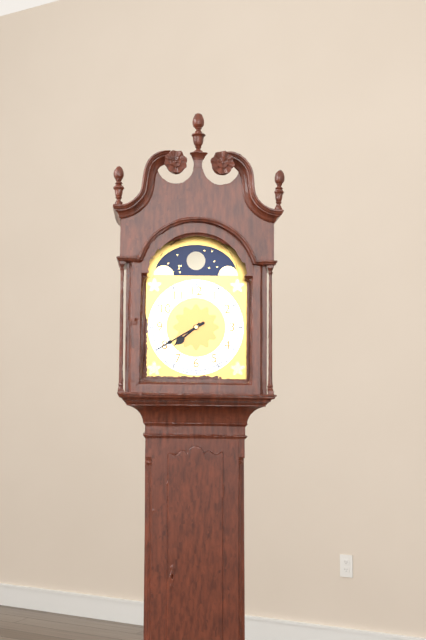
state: 7:40
